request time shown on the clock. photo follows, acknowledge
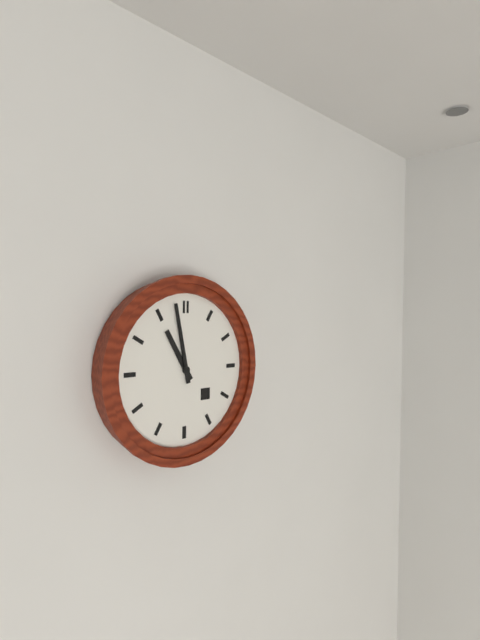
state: 10:58
